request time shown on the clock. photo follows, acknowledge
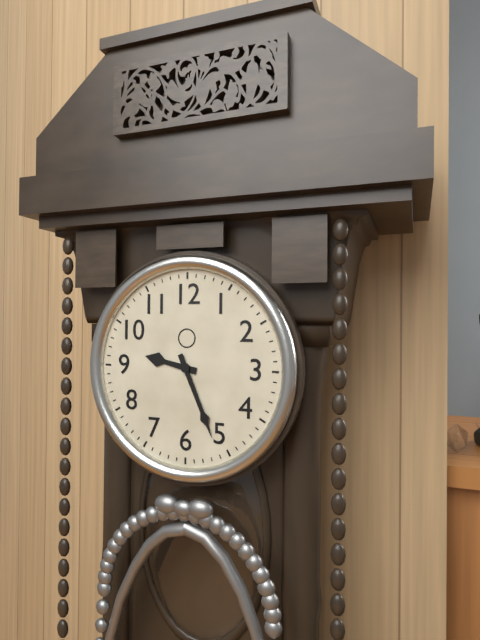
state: 9:26
